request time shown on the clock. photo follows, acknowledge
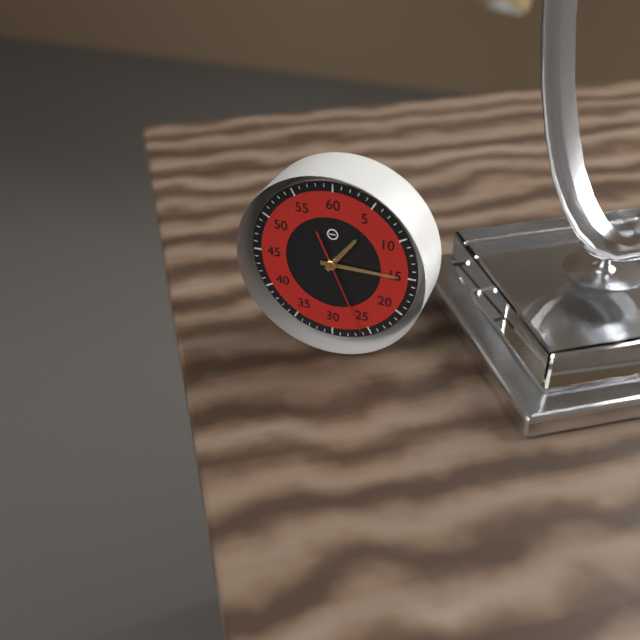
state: 1:15:26
